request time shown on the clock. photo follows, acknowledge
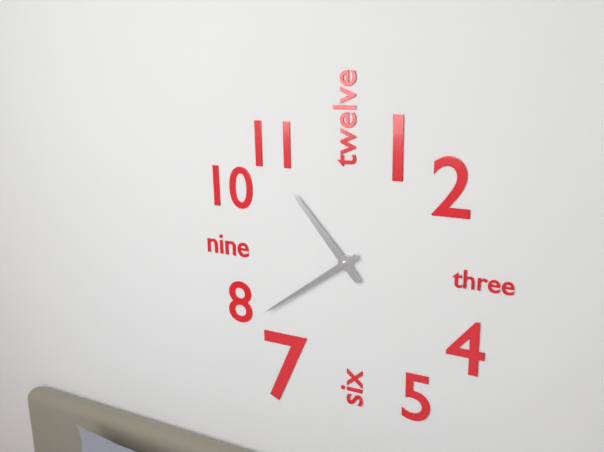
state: 10:39
